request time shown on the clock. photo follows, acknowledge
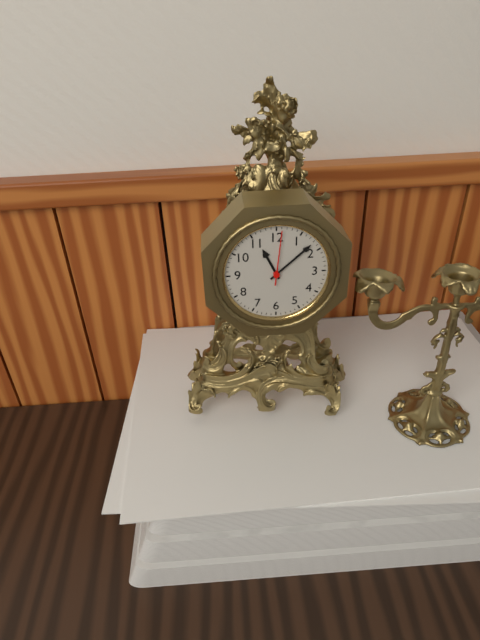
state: 11:08:01
